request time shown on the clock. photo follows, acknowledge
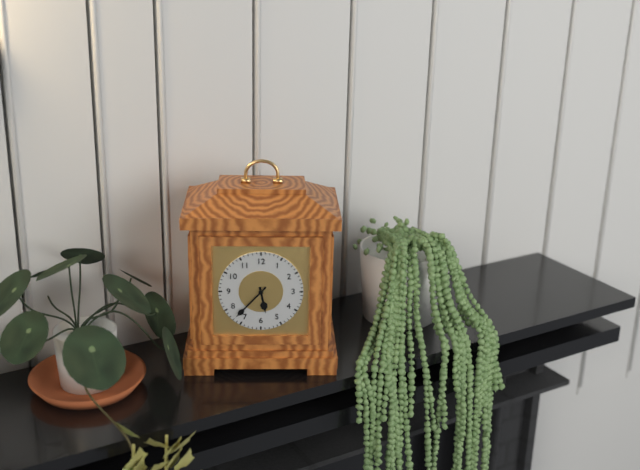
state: 5:37
